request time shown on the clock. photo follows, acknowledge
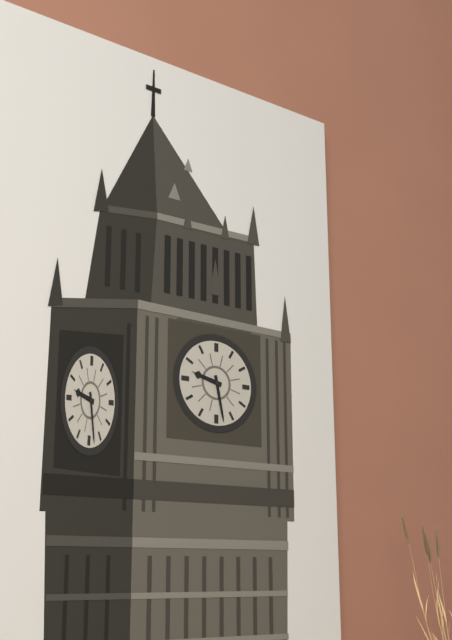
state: 9:28
